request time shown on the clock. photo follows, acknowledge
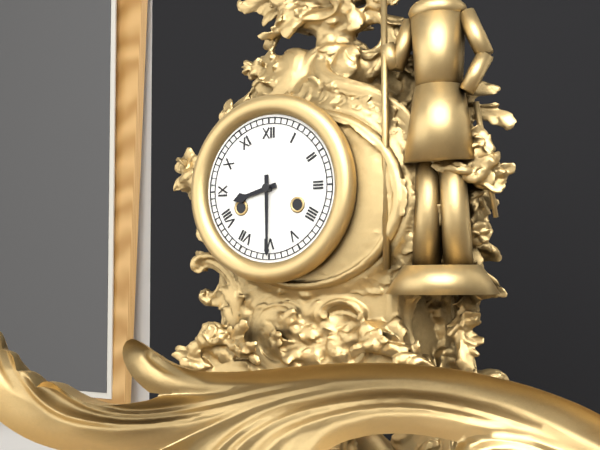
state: 8:30
